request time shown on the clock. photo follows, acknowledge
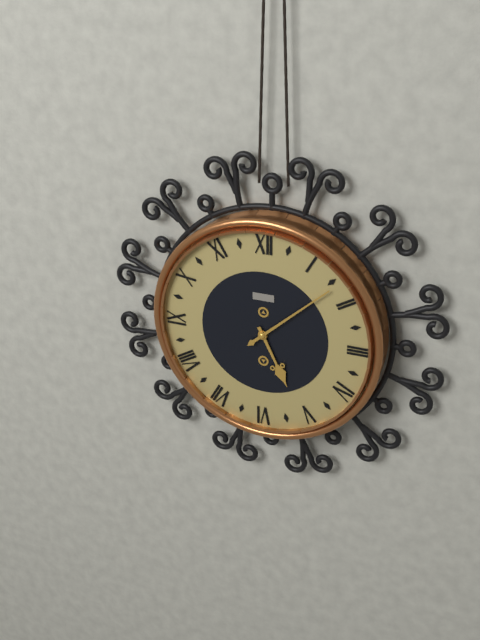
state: 5:08
